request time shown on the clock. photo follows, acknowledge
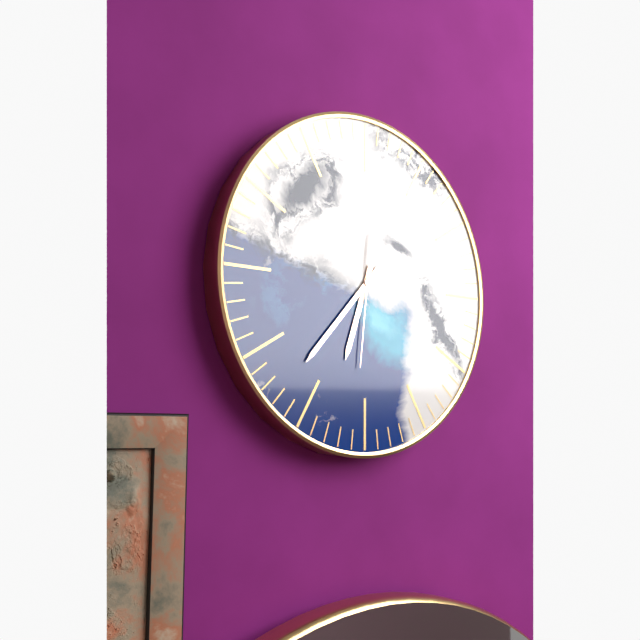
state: 6:37:31
